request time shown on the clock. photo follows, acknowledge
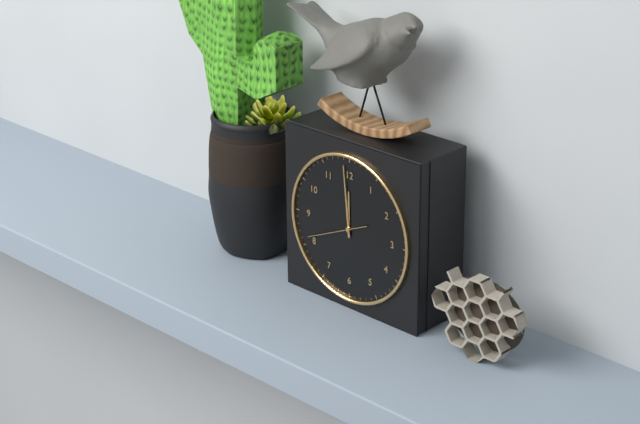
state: 11:59:41
